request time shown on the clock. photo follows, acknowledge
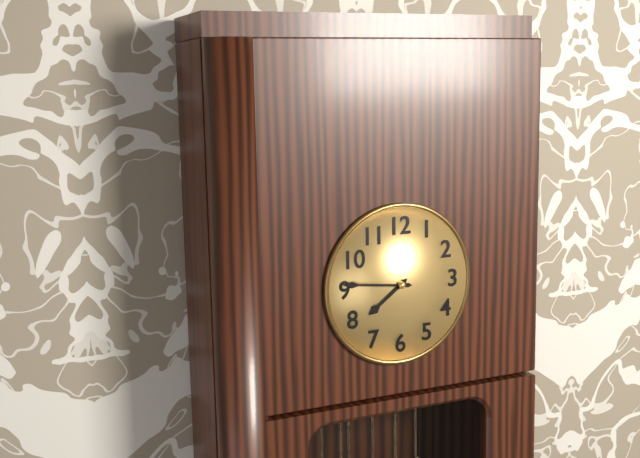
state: 7:46
